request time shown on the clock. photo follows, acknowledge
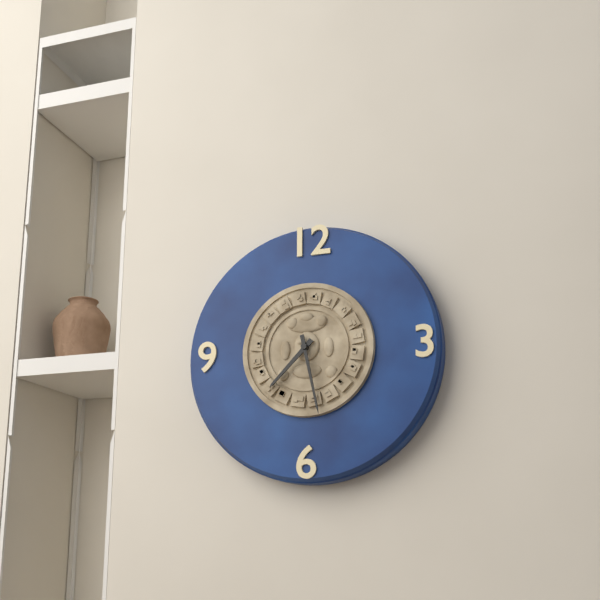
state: 7:28
